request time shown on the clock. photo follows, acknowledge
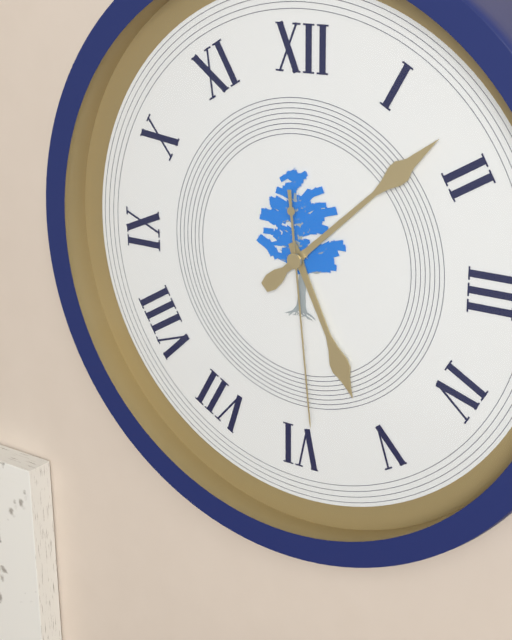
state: 5:08:29
